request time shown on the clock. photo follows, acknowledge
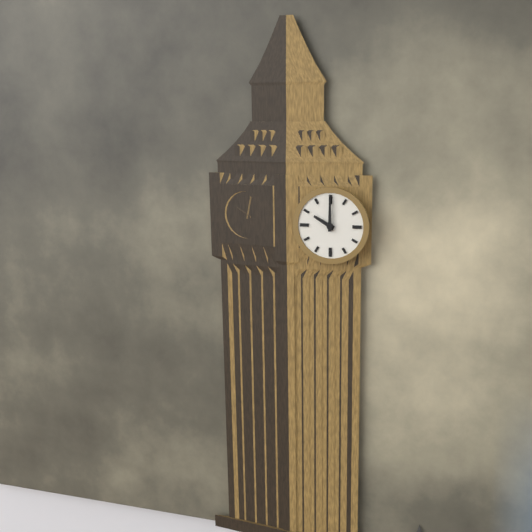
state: 10:00
